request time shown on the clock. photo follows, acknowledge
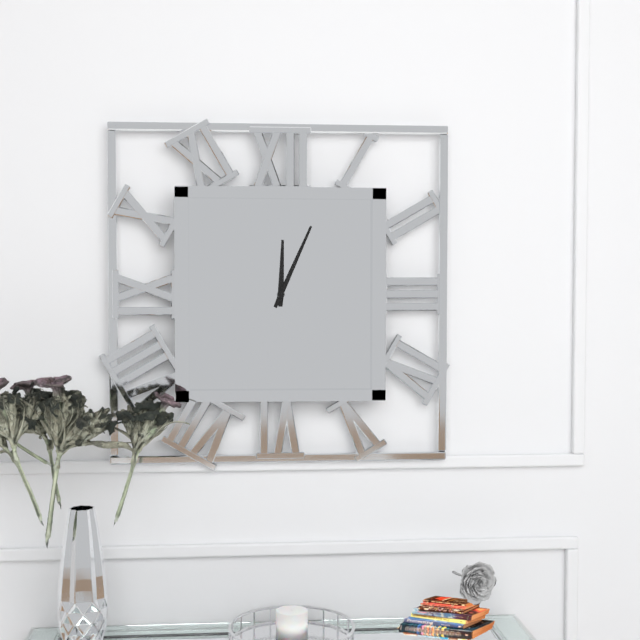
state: 12:04
